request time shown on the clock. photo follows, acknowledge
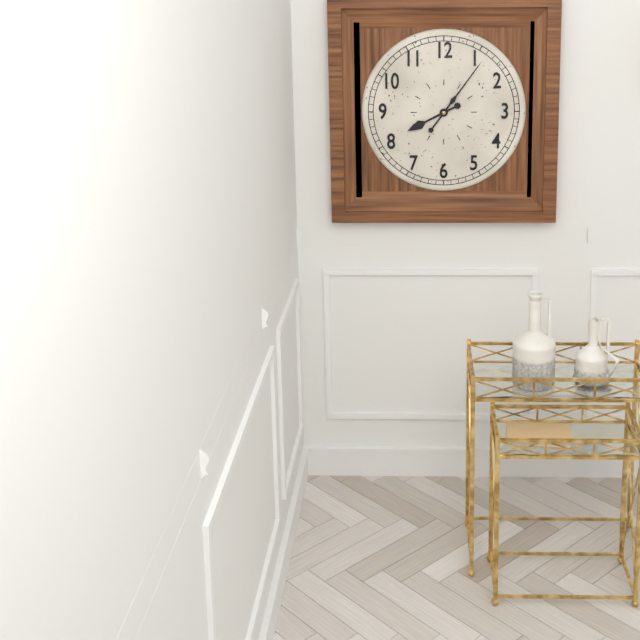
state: 8:06
